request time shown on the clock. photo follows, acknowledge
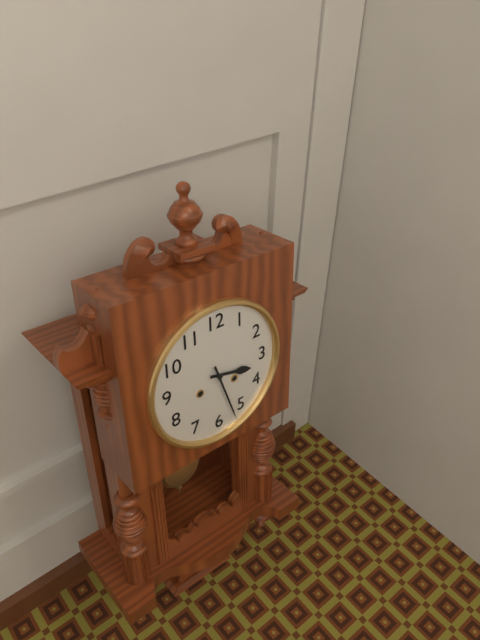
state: 3:27
